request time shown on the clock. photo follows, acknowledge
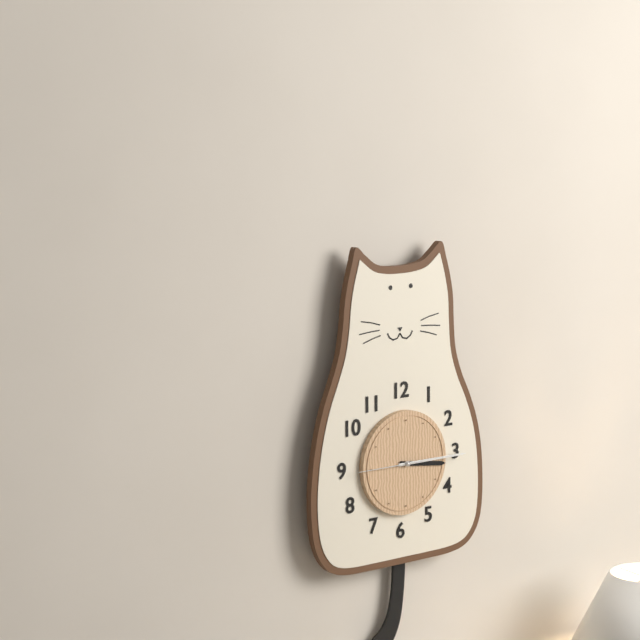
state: 3:15:45
